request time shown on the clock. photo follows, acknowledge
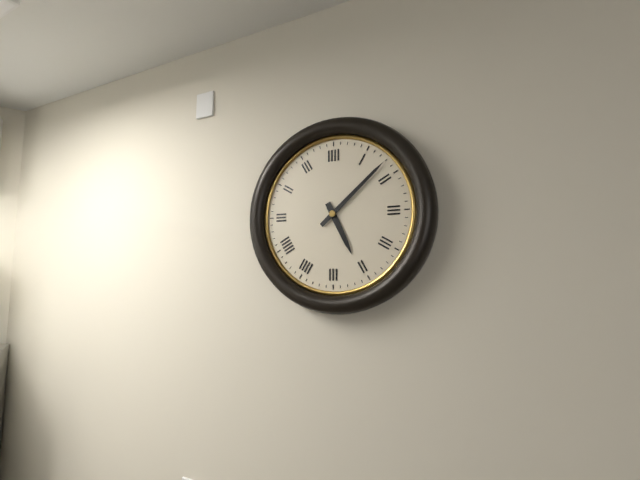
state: 5:08
